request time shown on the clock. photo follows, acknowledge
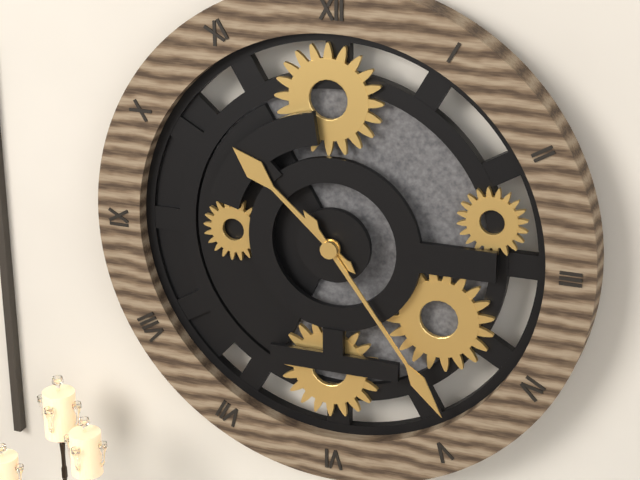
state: 10:24
